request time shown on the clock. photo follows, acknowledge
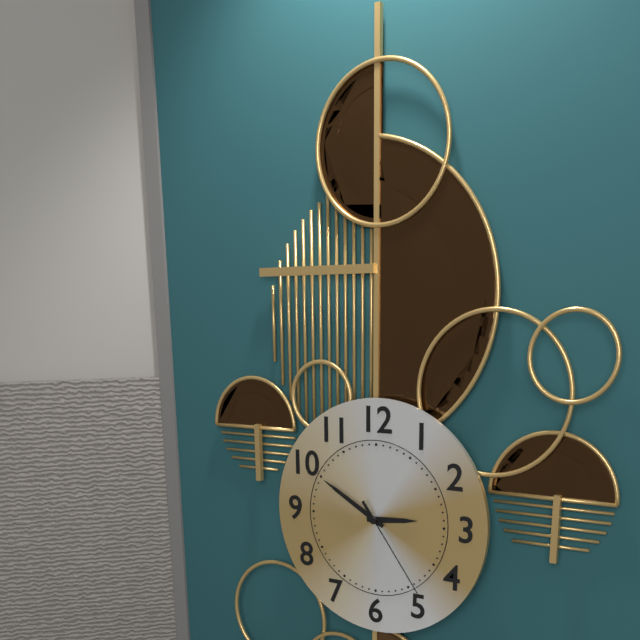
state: 2:50:24
